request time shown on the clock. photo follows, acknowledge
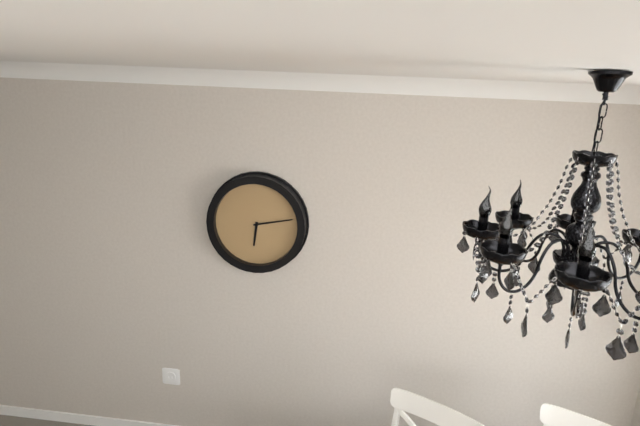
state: 6:13
